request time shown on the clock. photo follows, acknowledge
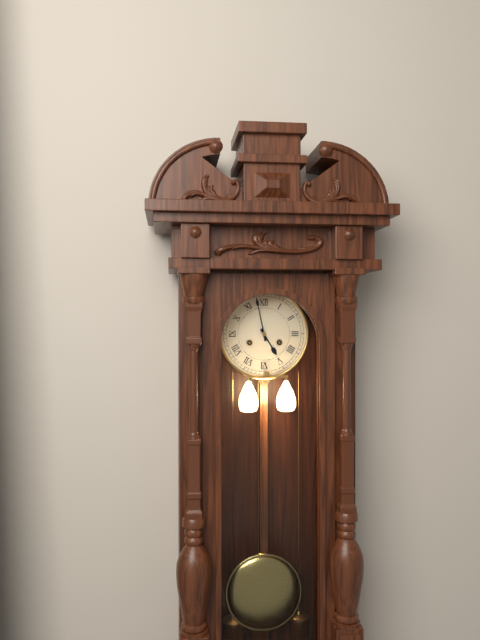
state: 4:58
